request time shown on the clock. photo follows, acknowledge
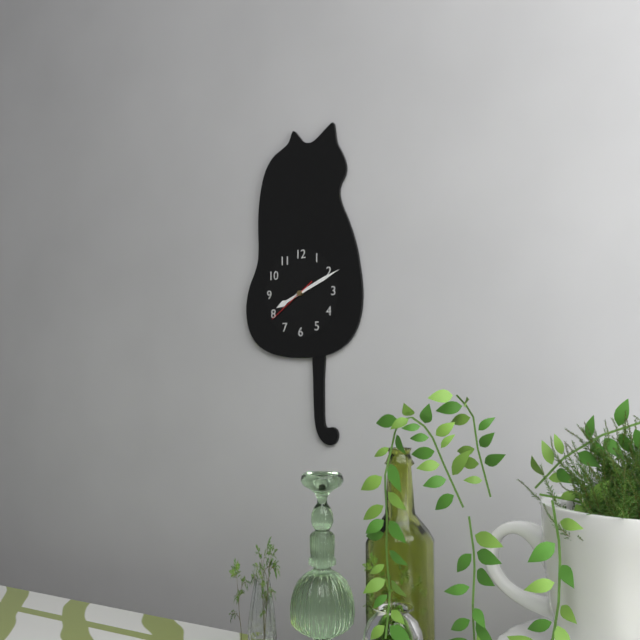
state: 8:11
